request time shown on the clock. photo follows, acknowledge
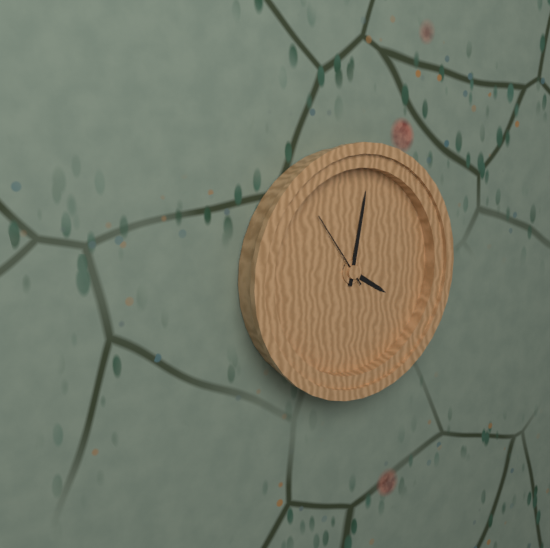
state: 4:02:54
